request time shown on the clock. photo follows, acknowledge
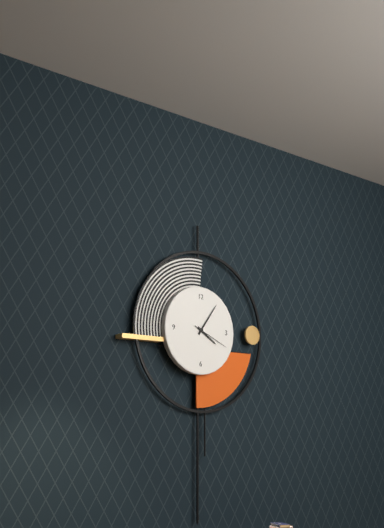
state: 4:06
